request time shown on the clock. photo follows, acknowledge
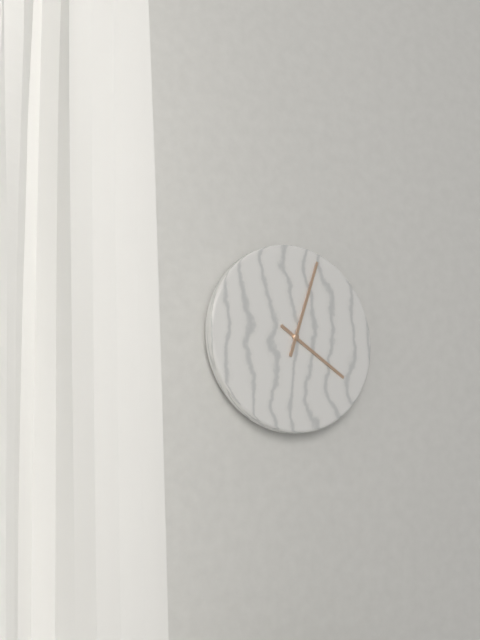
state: 4:03
